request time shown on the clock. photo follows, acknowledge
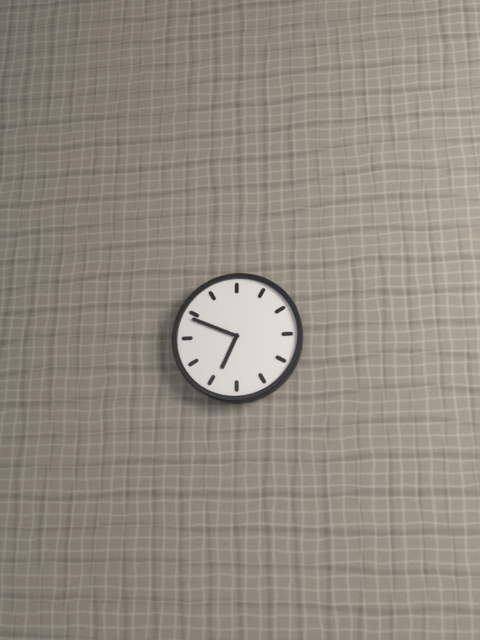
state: 6:49
